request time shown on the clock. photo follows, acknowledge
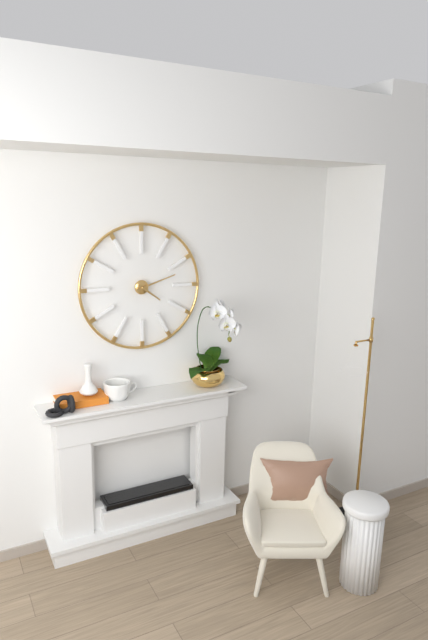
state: 4:12
